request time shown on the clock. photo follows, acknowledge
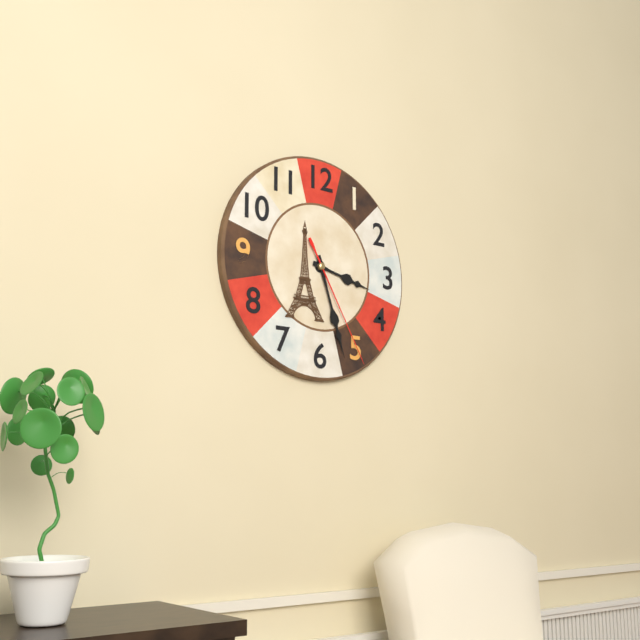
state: 3:27:25
